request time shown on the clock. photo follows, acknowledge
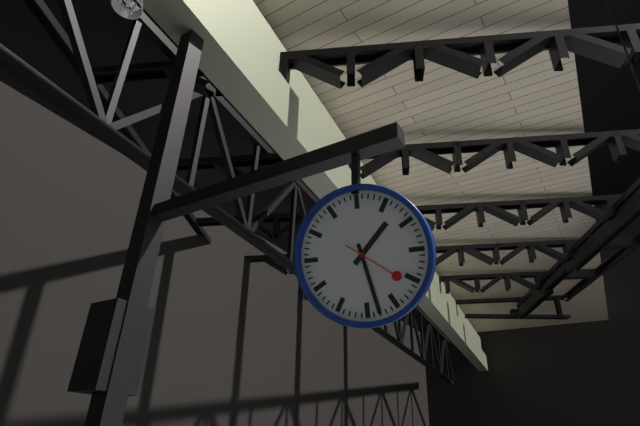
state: 1:28:21
